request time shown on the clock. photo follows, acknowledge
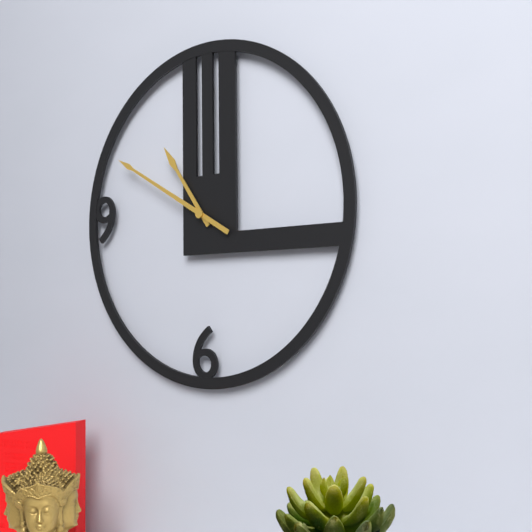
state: 10:50
